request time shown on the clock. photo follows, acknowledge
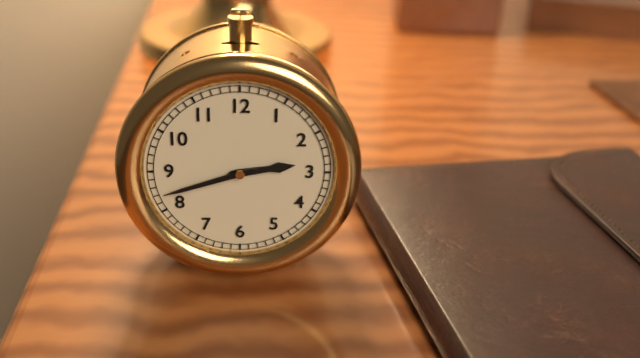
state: 2:42
